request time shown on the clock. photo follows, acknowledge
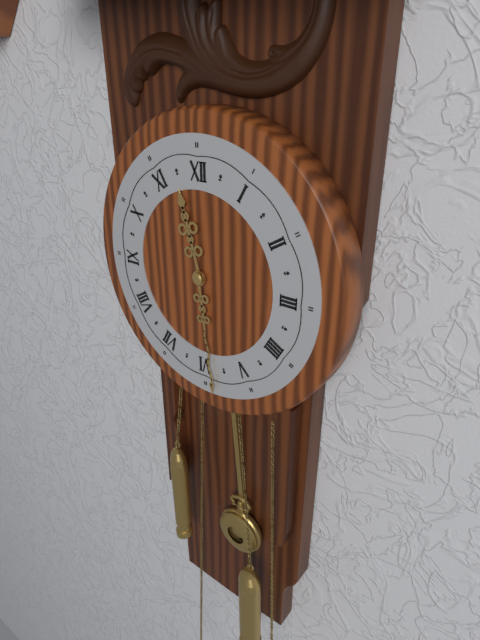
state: 11:29
